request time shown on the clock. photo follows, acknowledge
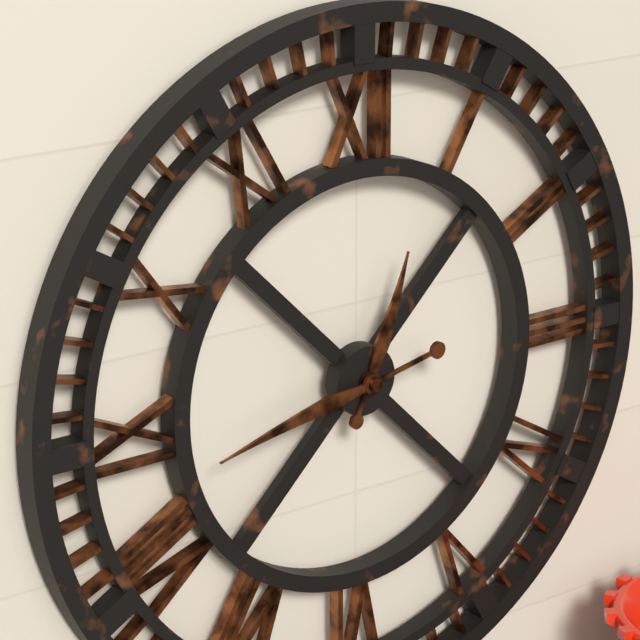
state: 12:43
